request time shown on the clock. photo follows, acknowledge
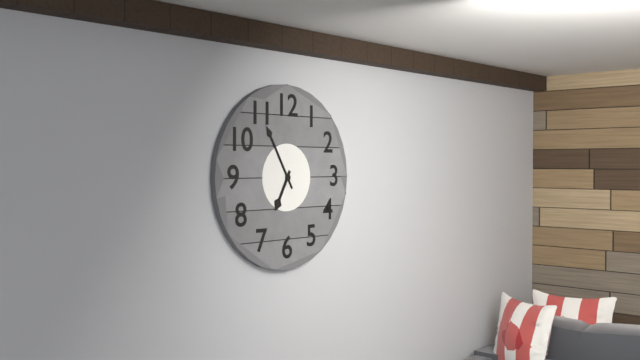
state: 6:55
